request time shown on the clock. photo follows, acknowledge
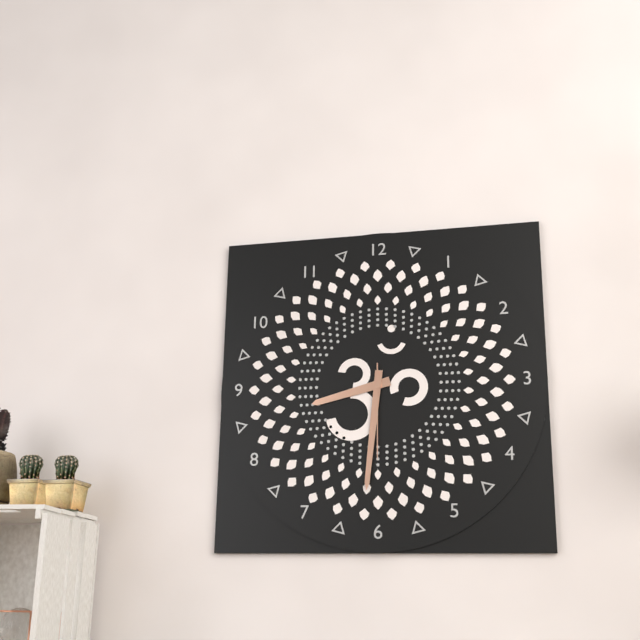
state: 8:31:30
